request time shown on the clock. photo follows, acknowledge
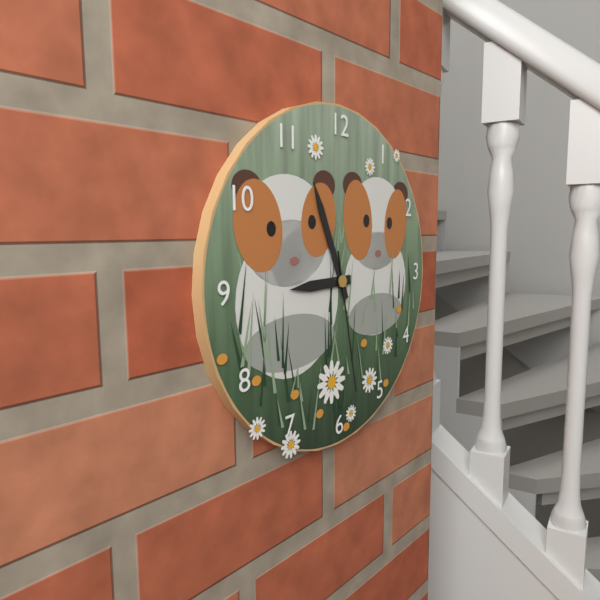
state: 8:56:28
